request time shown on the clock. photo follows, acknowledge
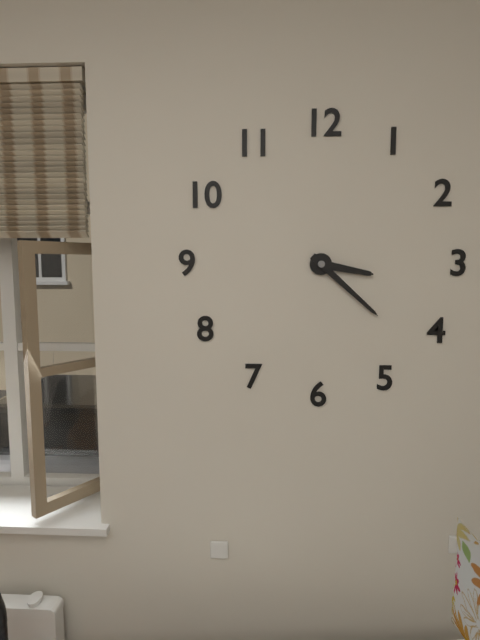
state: 3:22
